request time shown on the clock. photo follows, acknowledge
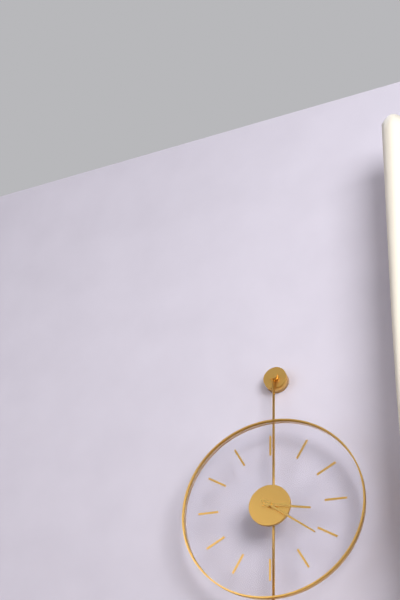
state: 3:21
